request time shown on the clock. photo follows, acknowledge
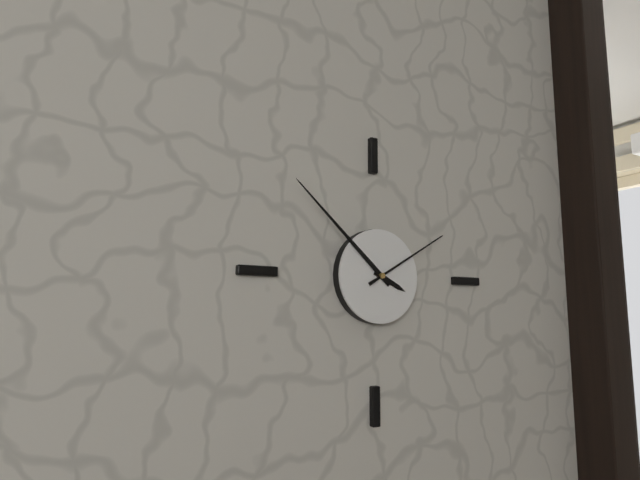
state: 3:52:10
